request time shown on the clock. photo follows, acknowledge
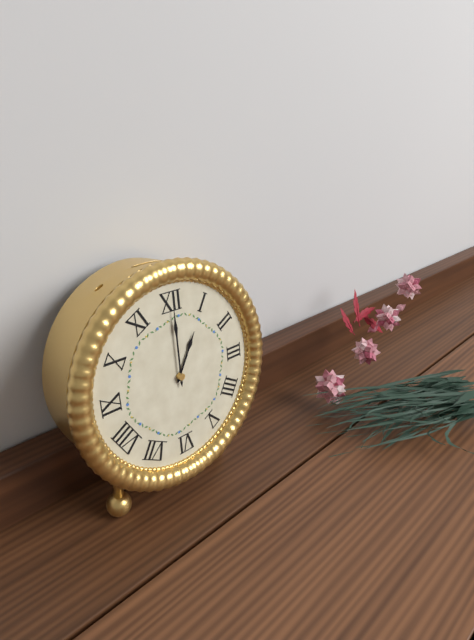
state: 1:00
